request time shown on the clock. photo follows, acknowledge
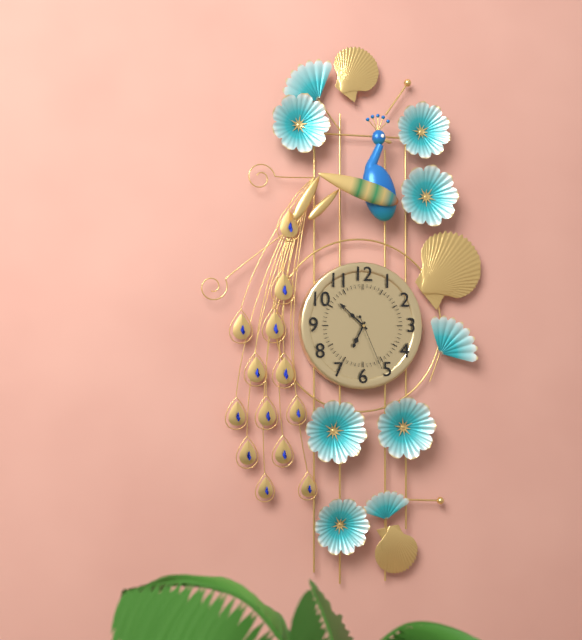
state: 6:52:26
